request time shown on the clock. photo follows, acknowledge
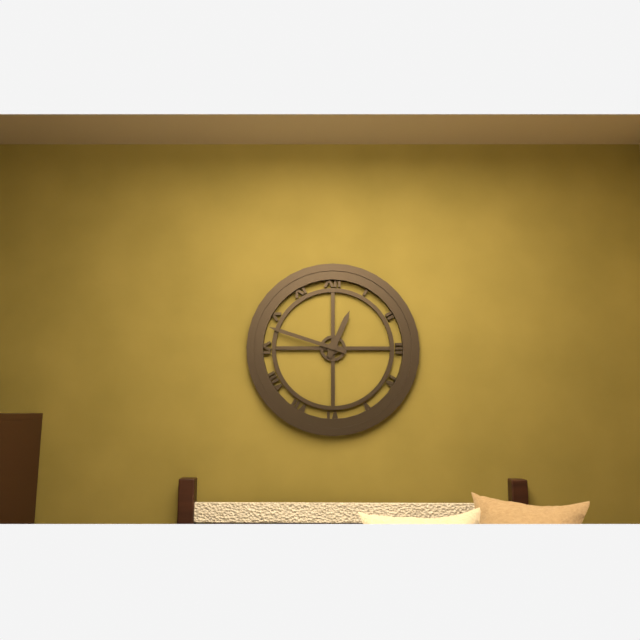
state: 12:48
